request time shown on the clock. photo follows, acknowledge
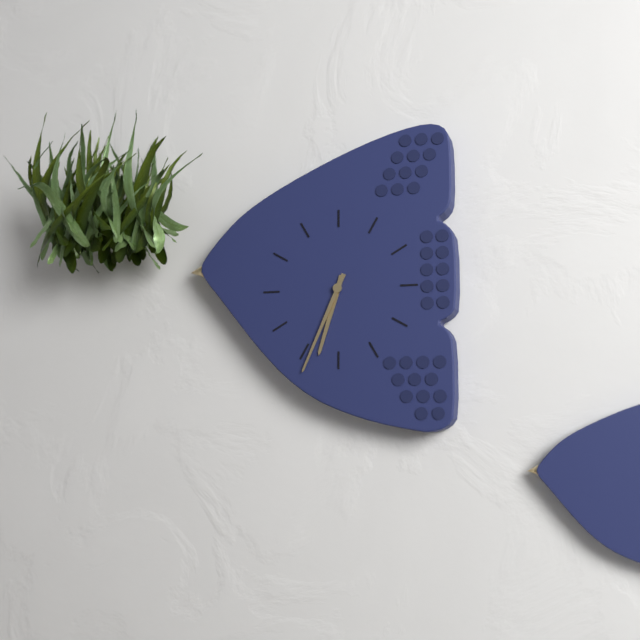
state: 6:34
